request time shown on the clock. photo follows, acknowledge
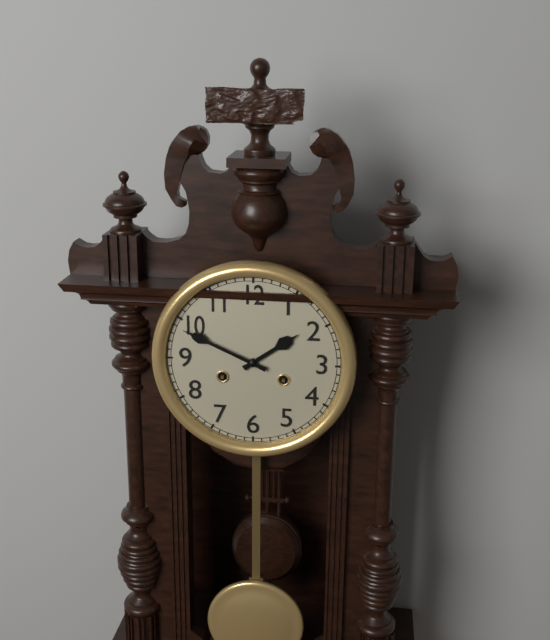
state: 1:49
